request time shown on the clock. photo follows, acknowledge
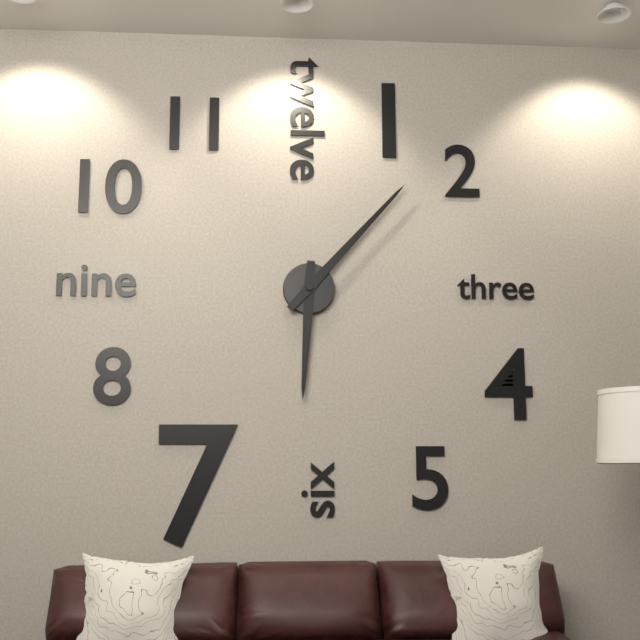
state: 6:07
